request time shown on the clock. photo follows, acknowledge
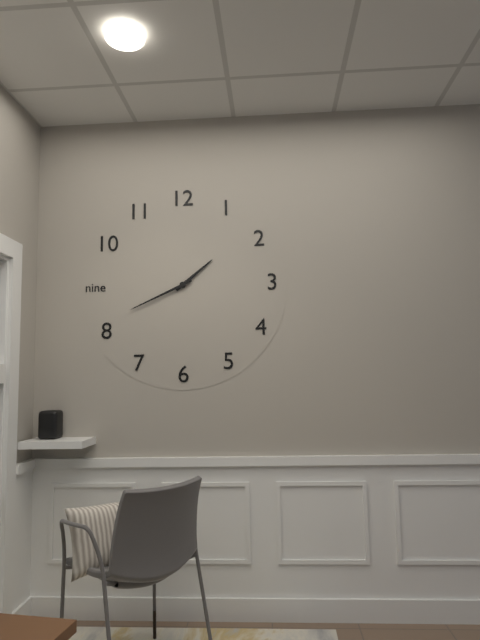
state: 1:41
